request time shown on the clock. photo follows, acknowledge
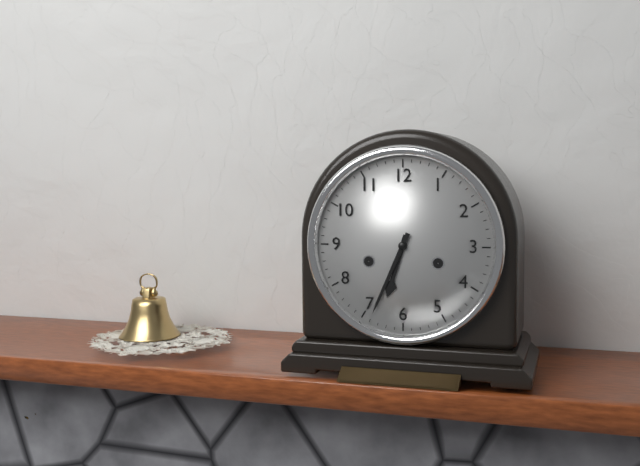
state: 6:34
